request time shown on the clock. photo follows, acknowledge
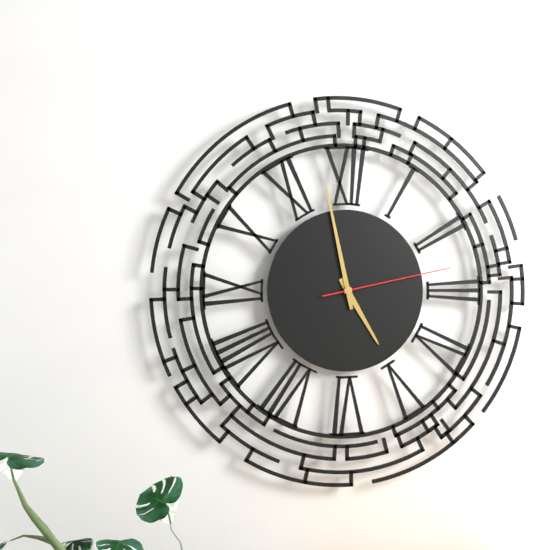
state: 4:58:13
